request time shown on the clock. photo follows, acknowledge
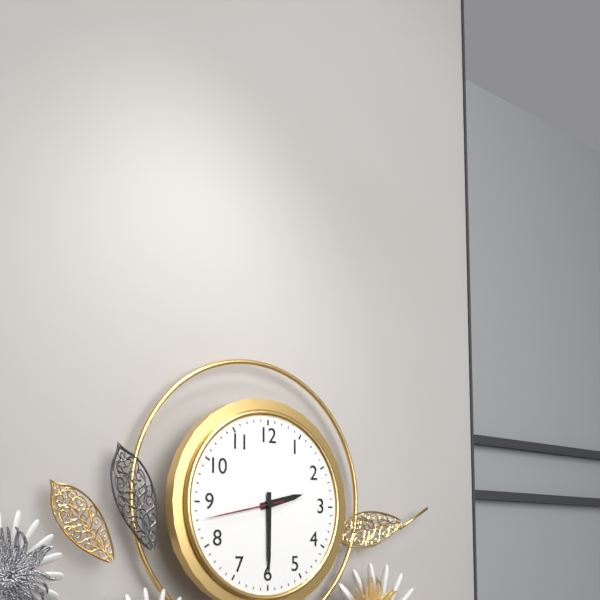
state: 2:30:43
